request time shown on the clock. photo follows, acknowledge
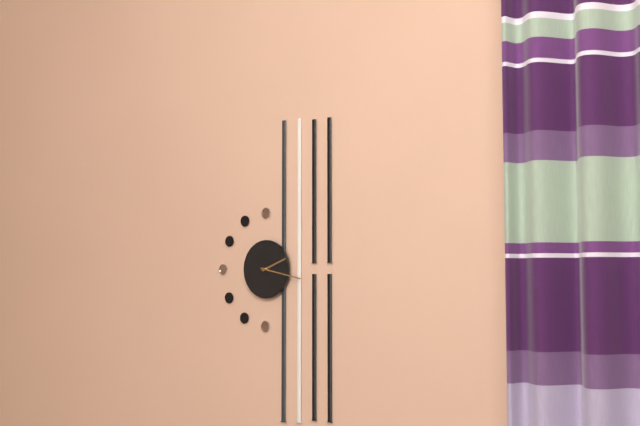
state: 2:17
